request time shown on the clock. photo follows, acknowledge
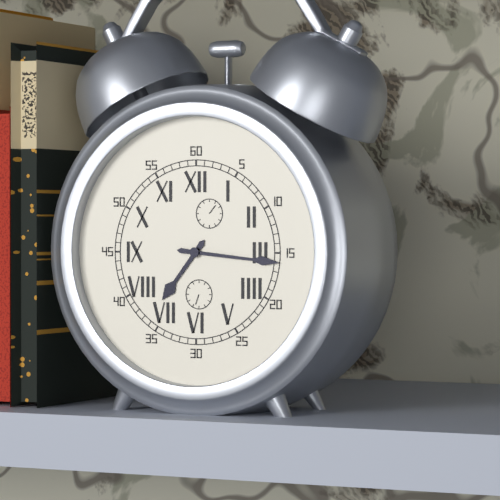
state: 7:16
